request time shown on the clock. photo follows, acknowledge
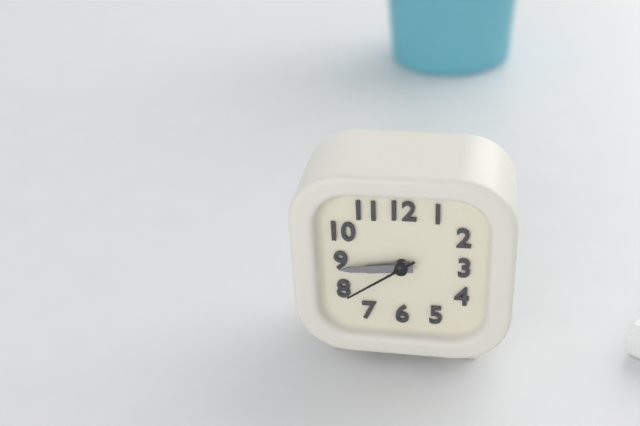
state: 8:44:39
